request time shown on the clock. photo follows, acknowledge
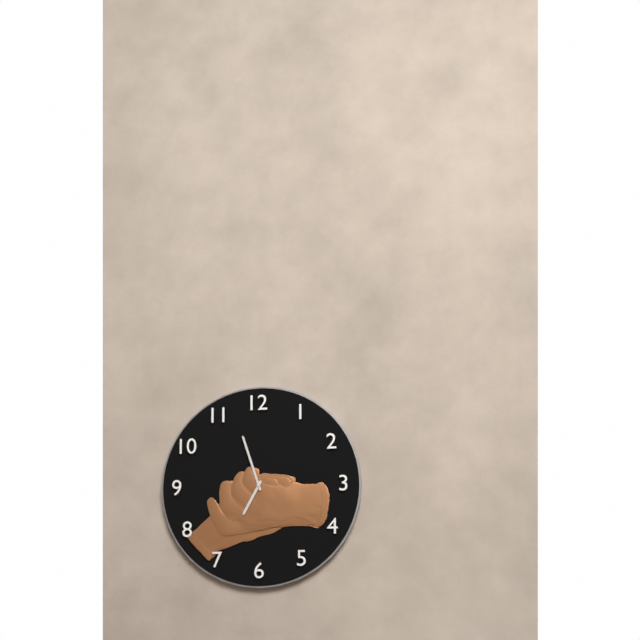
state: 6:57
